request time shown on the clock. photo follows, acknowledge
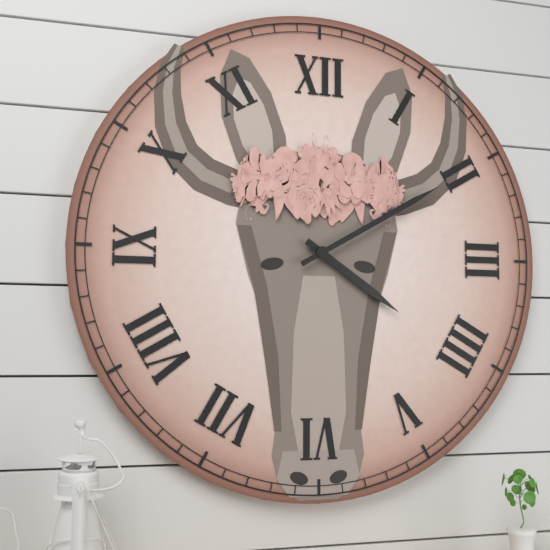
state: 4:10
